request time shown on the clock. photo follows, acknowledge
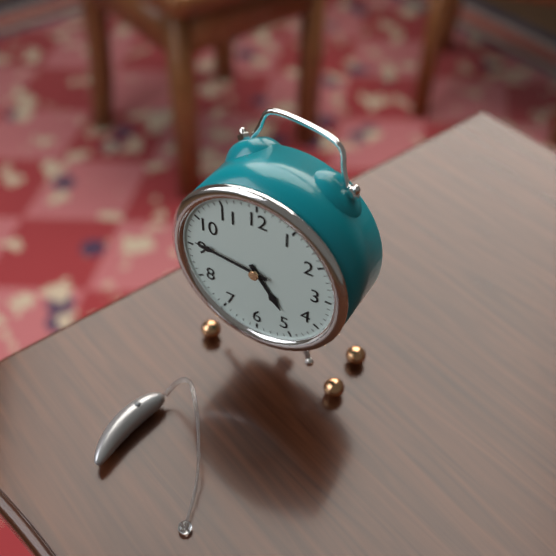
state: 4:46
